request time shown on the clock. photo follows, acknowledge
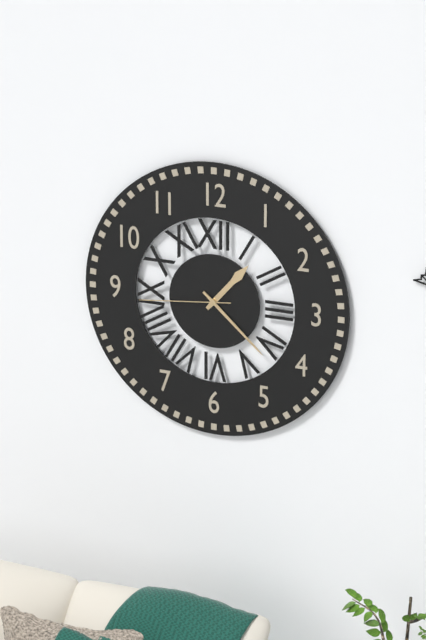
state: 1:22:44
